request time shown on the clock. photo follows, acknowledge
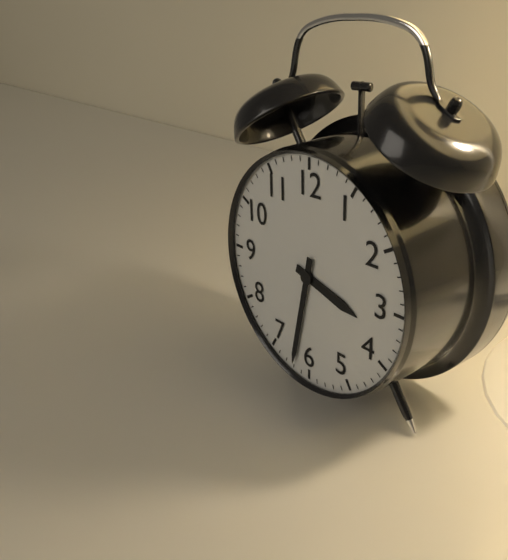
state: 3:32
